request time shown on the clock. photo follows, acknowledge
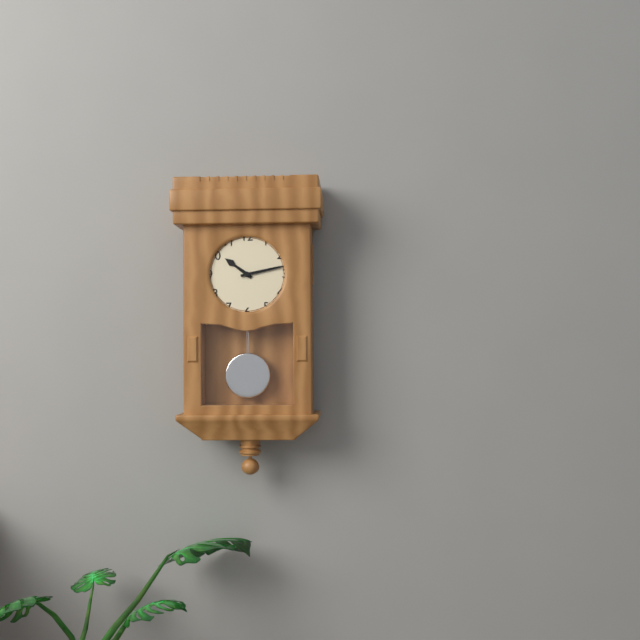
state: 10:13
